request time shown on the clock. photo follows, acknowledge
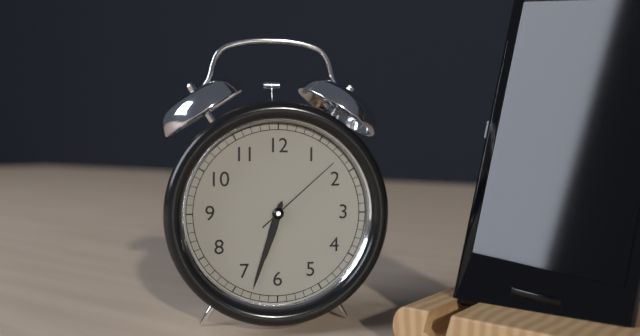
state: 6:33:08
